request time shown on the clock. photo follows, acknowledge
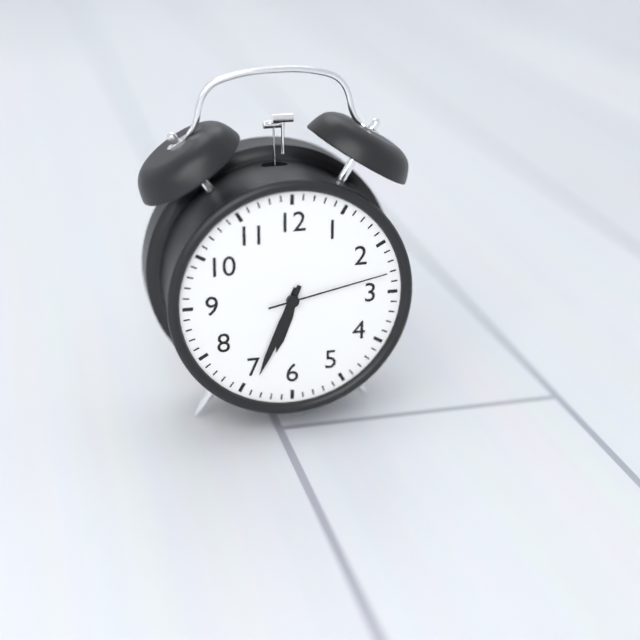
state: 6:34:13
